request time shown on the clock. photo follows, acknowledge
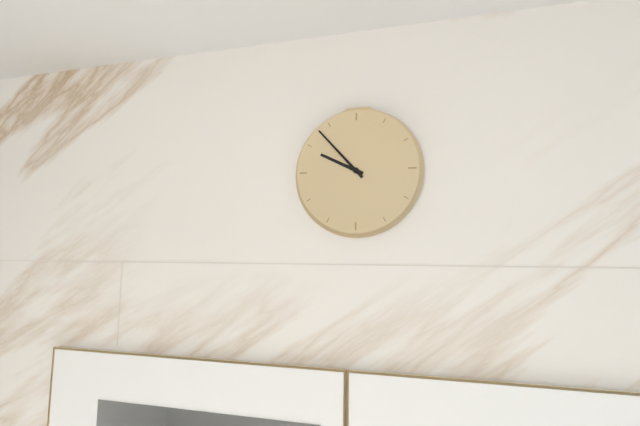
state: 9:53
